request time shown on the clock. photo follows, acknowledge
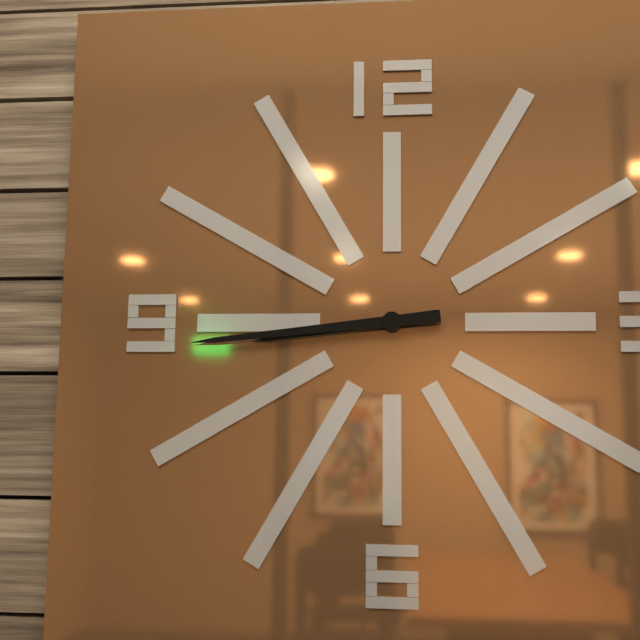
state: 8:44
